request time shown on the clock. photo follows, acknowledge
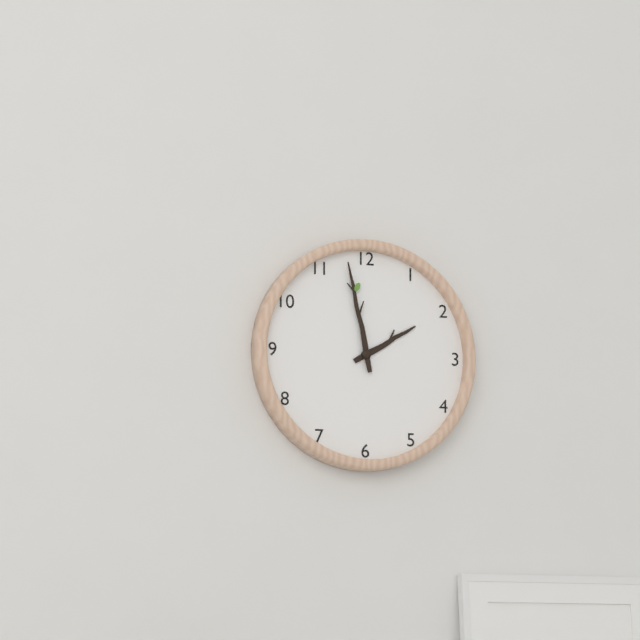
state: 1:58
